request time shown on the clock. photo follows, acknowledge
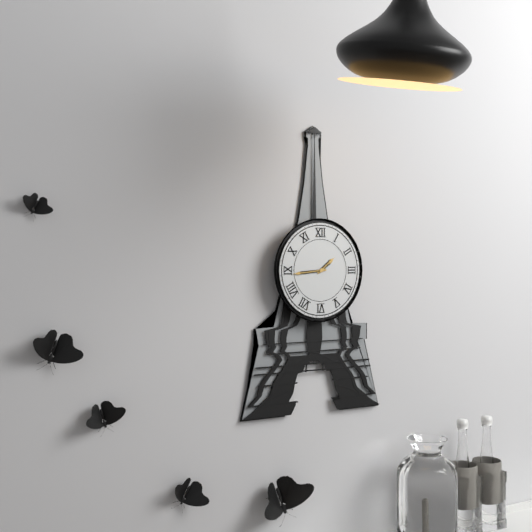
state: 1:44
